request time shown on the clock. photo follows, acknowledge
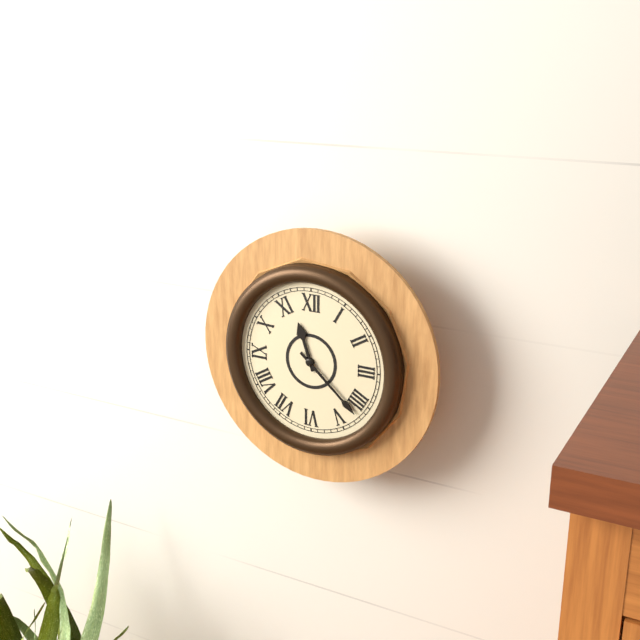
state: 11:22
